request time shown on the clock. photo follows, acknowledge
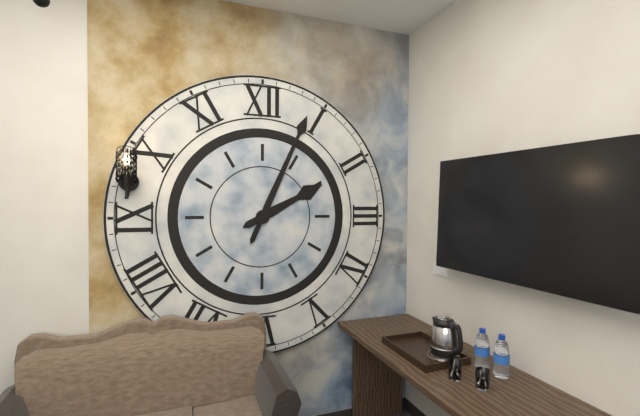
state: 2:04
